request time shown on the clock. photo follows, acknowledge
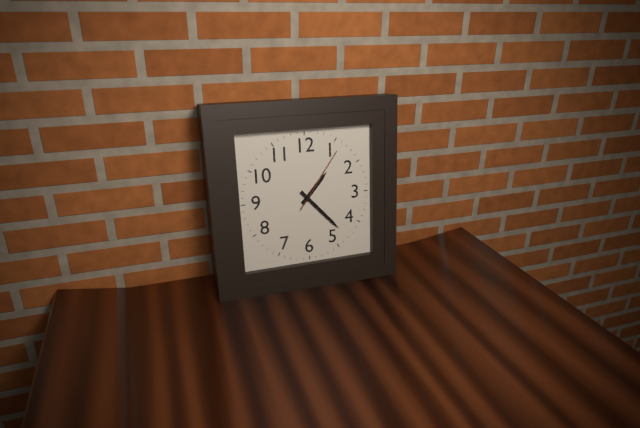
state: 1:23:06
